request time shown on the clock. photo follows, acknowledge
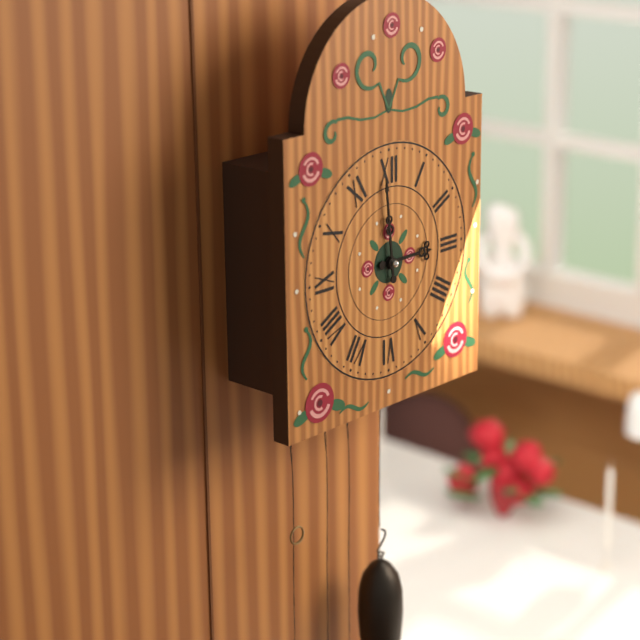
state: 2:59
